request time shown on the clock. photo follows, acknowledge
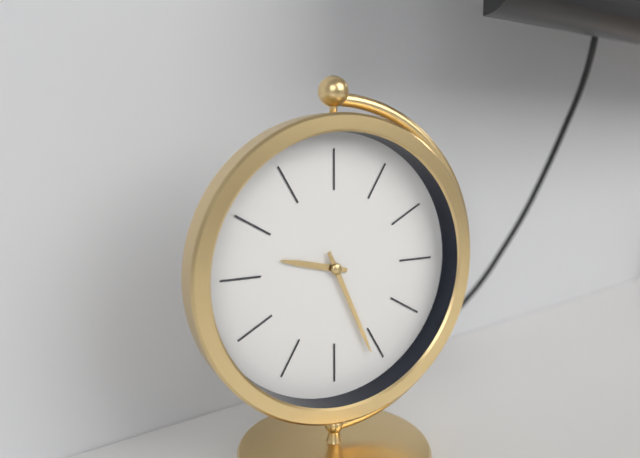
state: 9:26
